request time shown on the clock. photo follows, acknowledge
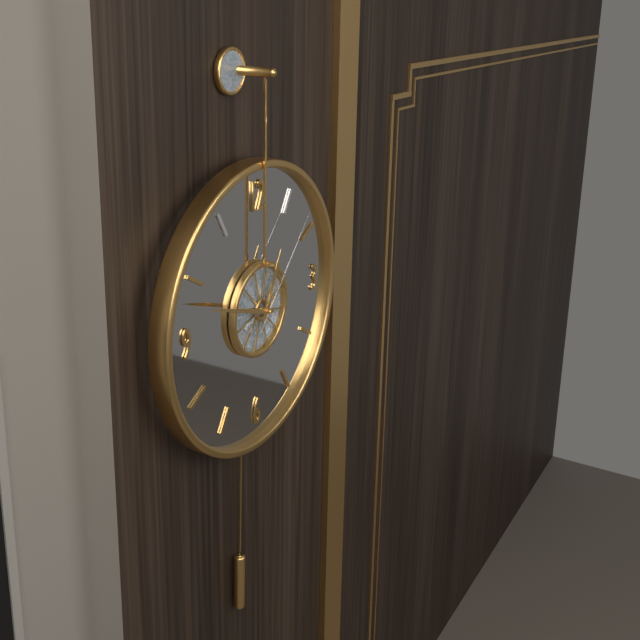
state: 12:48:07
